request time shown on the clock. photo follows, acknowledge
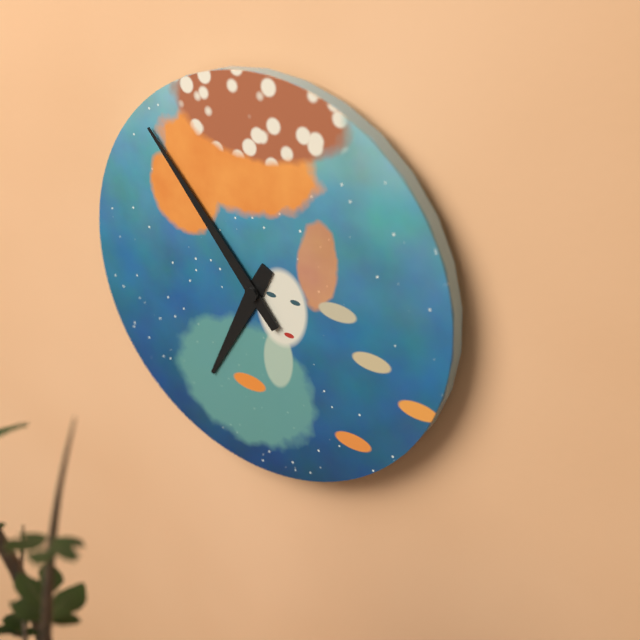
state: 6:53
